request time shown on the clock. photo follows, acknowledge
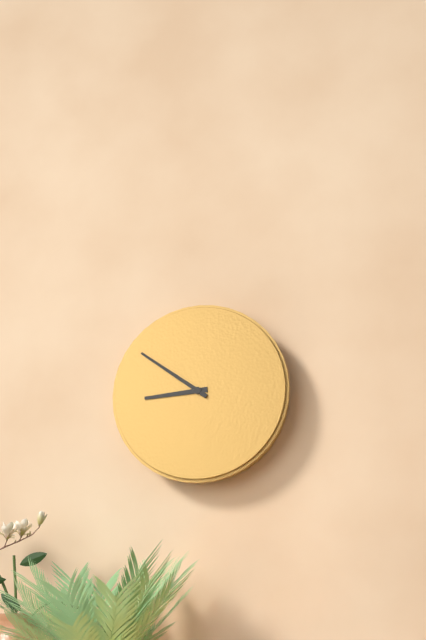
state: 8:51
